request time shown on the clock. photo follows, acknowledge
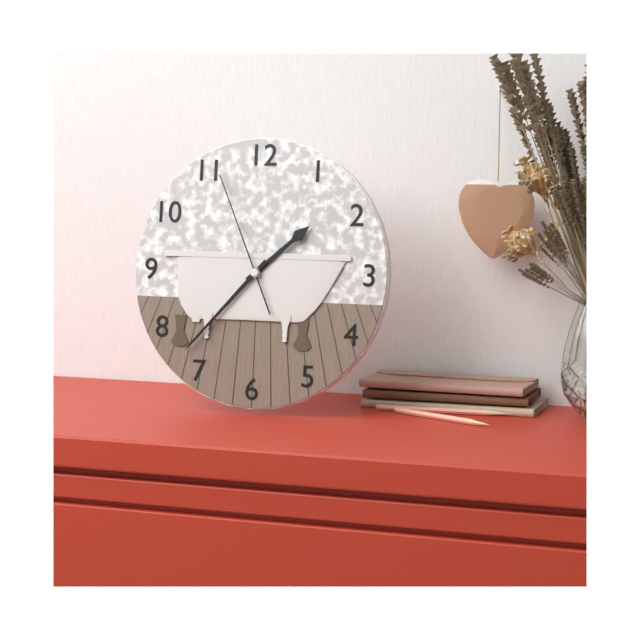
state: 1:37:56
